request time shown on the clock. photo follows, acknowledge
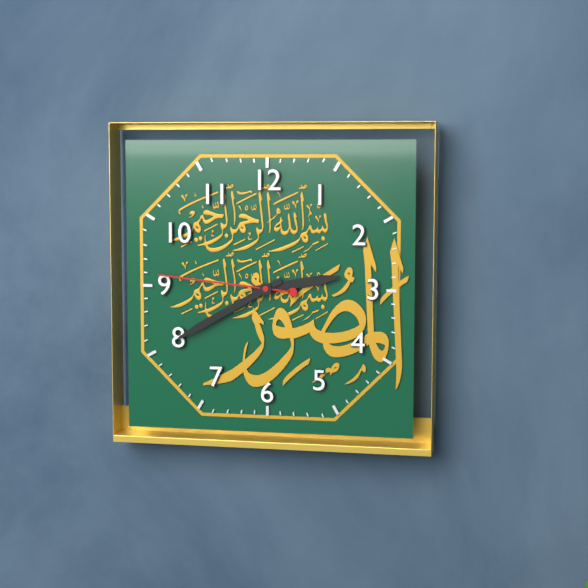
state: 2:40:46
